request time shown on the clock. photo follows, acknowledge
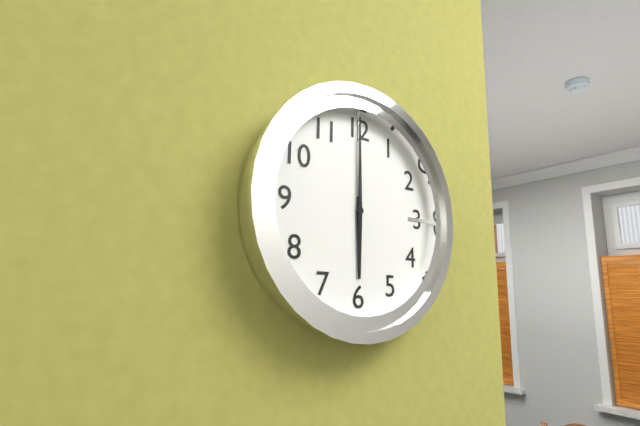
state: 6:00
